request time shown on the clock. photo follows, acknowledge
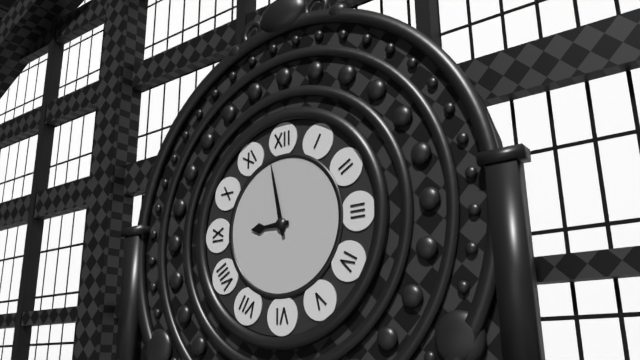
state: 8:58
